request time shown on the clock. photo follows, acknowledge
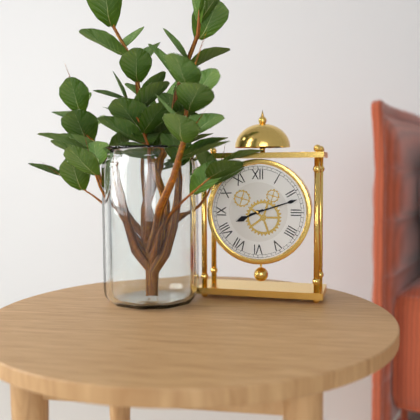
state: 8:12
